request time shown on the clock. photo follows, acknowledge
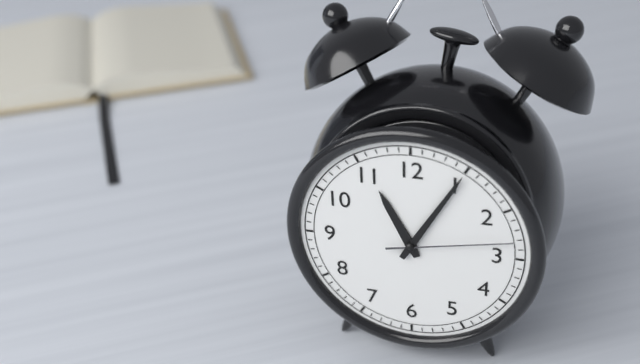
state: 11:05:13
